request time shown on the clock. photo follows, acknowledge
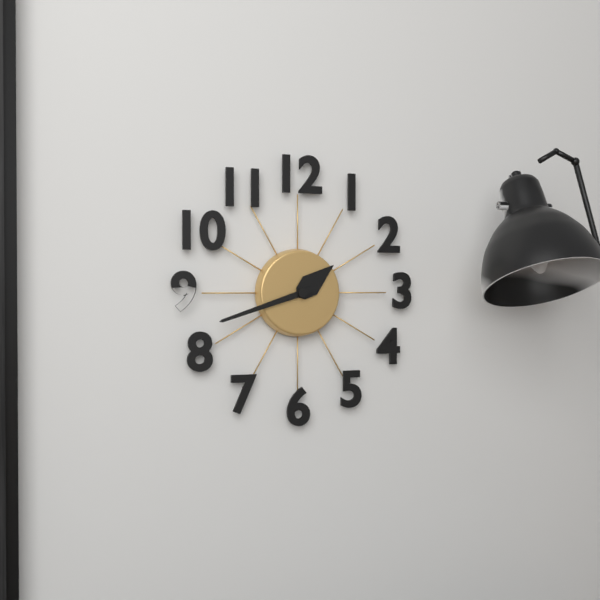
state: 1:42
